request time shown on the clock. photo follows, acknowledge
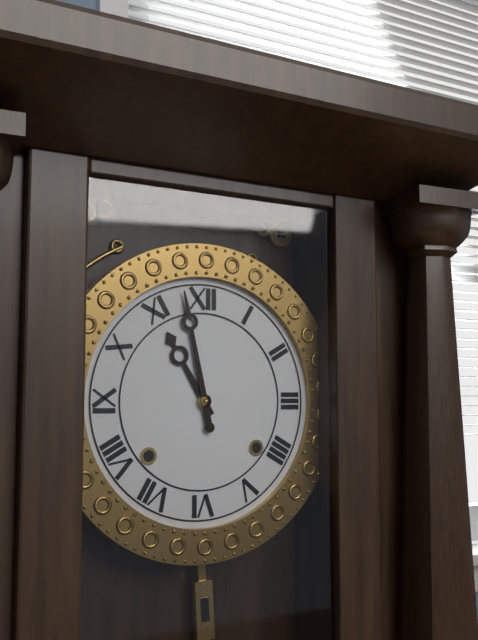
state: 10:58
